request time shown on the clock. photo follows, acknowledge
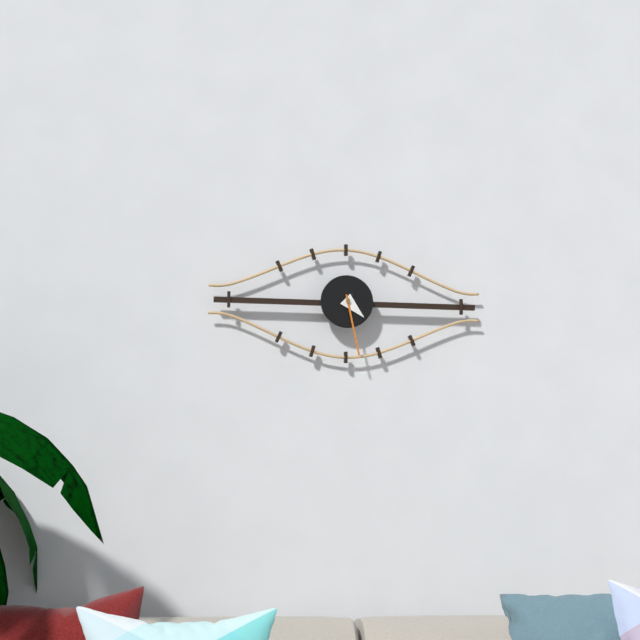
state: 4:28
